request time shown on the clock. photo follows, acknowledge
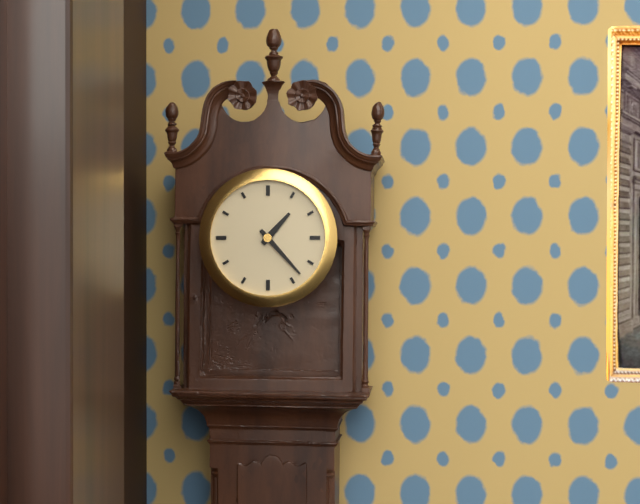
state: 1:23
